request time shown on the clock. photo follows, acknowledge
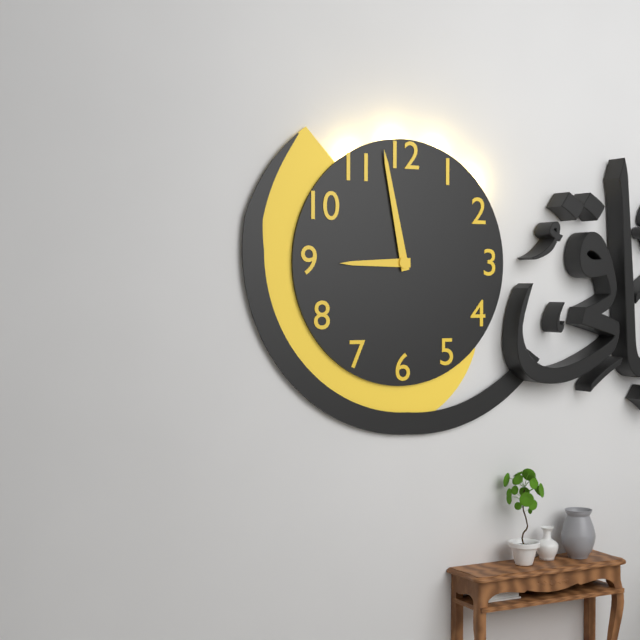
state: 8:58
